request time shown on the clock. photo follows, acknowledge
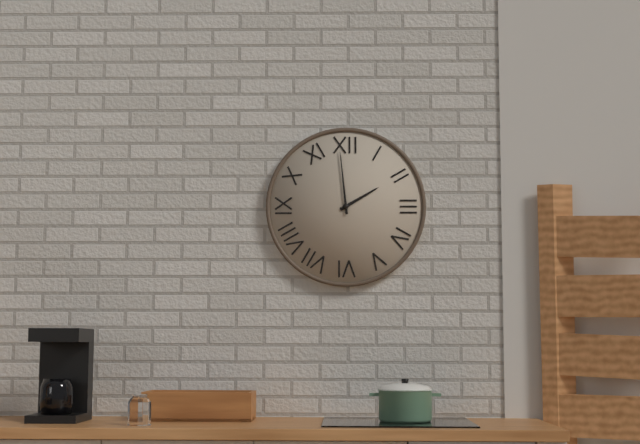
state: 1:59
